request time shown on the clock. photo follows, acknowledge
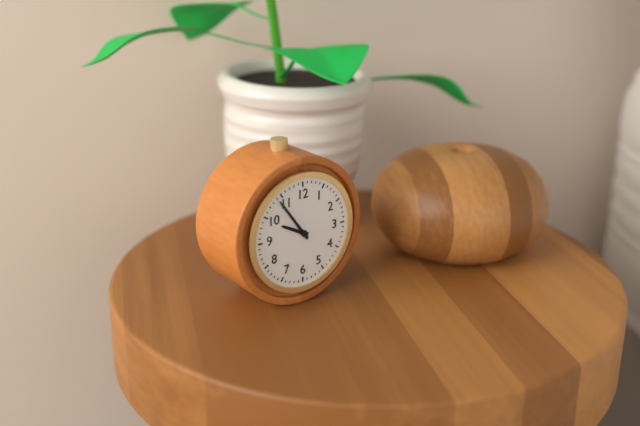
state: 9:54
